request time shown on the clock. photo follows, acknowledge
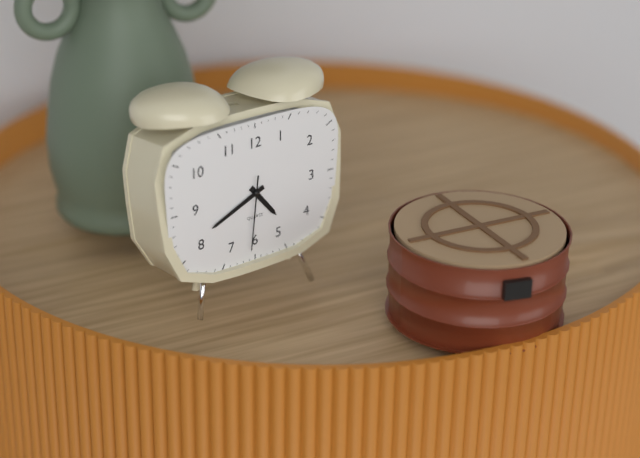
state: 4:41:31
